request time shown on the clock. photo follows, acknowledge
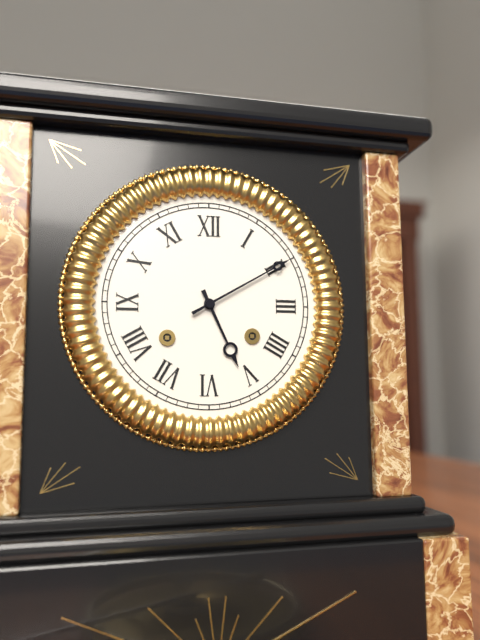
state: 5:10
